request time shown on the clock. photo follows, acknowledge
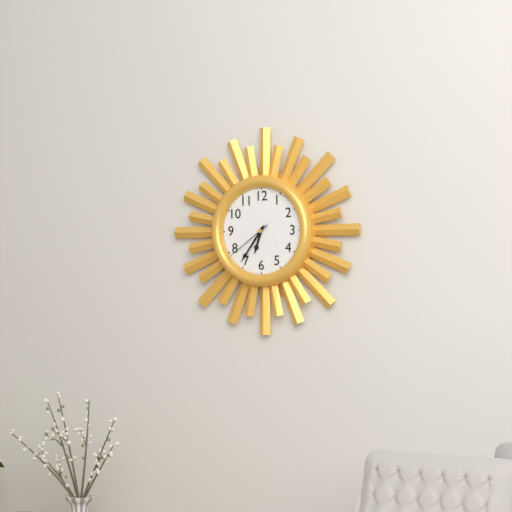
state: 6:36
